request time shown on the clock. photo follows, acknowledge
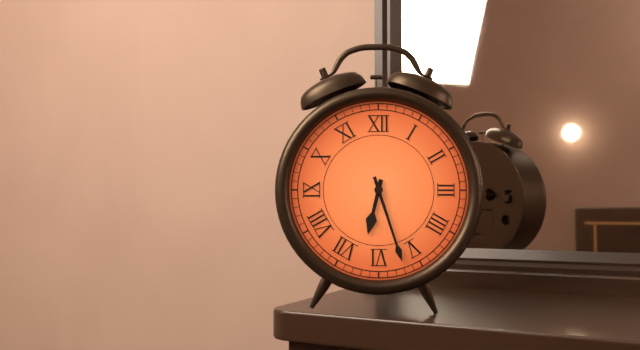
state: 6:27
